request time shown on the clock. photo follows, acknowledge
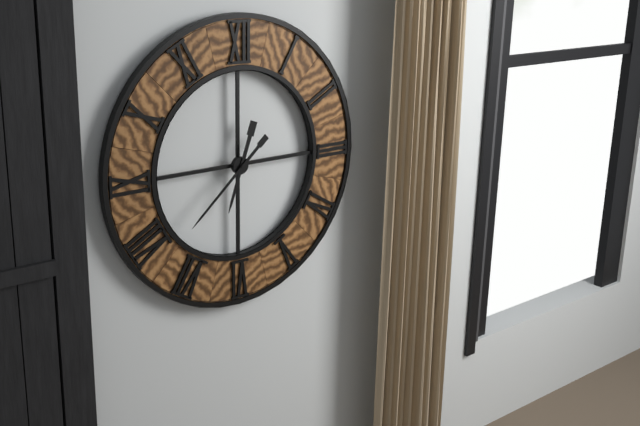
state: 6:38
